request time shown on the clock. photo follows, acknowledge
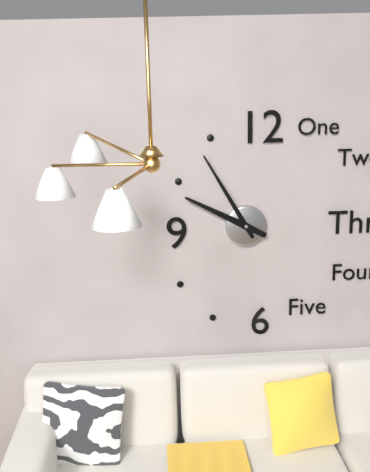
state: 9:55
